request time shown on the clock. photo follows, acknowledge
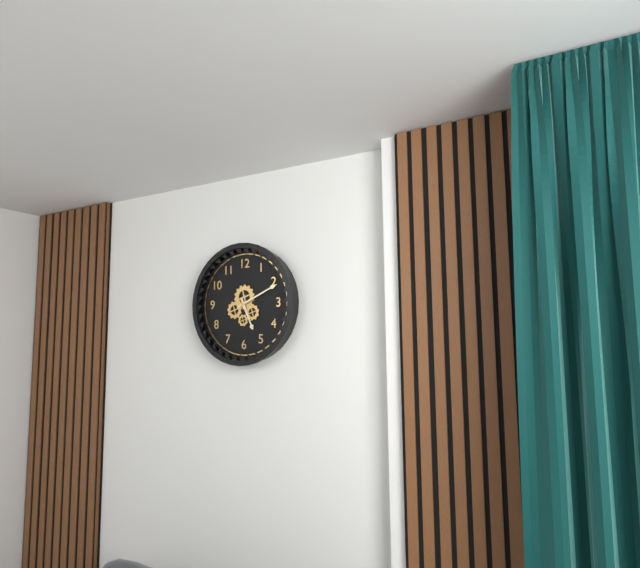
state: 5:11
